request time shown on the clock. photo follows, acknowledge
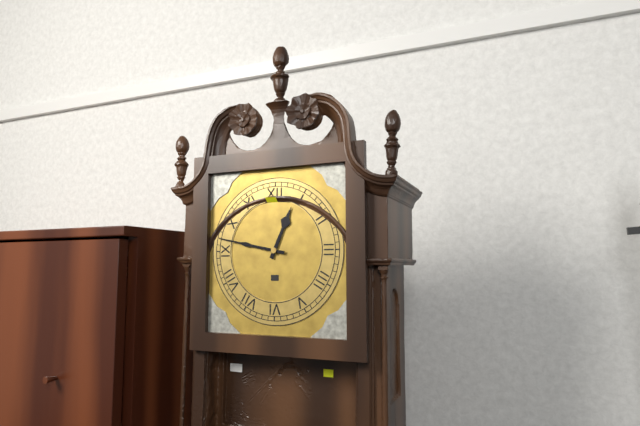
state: 12:47
